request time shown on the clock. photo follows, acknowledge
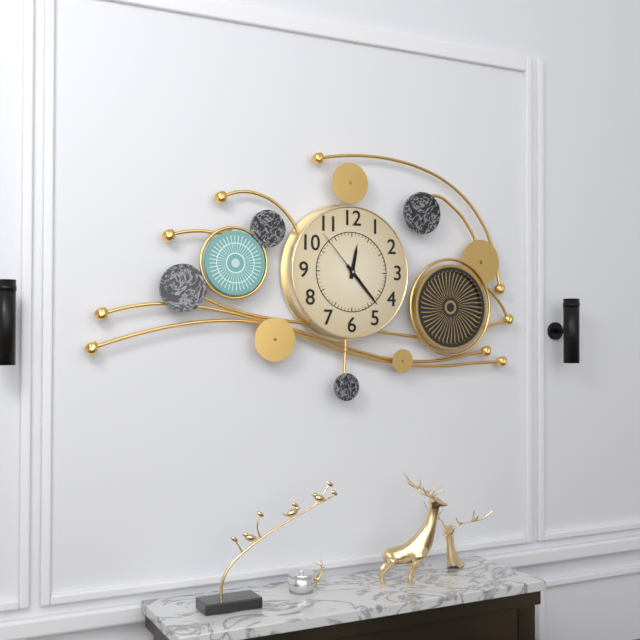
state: 12:23:53
